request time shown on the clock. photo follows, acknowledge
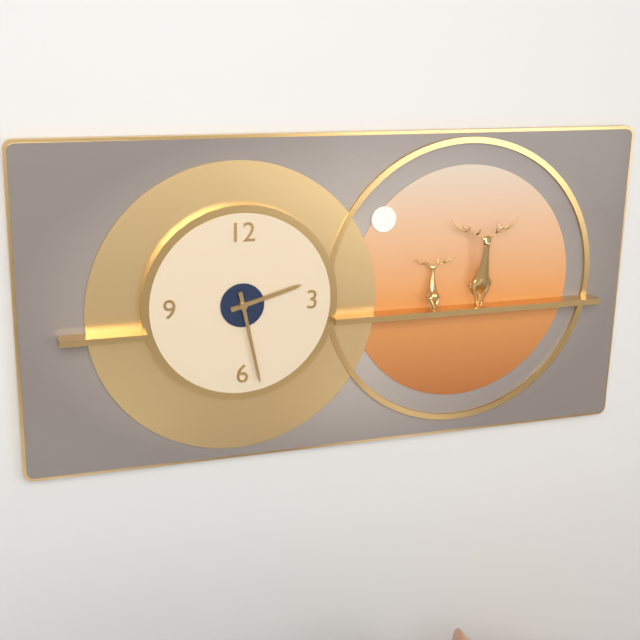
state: 2:28
